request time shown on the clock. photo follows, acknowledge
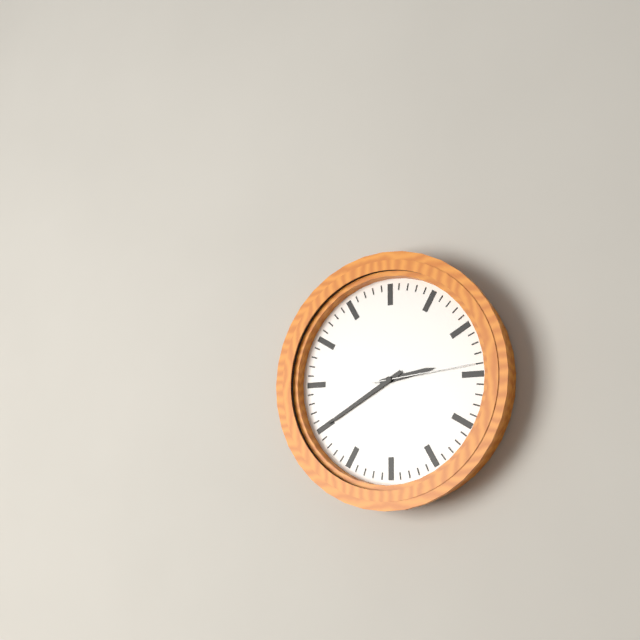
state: 2:40:14
